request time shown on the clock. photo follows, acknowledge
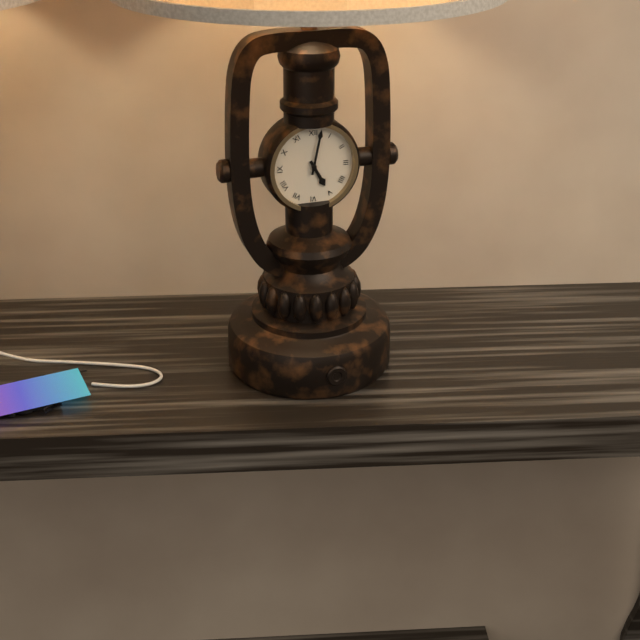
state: 5:02
